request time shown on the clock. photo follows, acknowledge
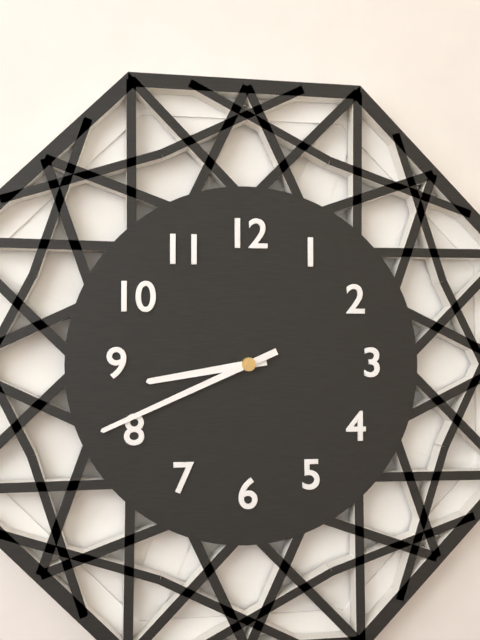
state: 8:41
